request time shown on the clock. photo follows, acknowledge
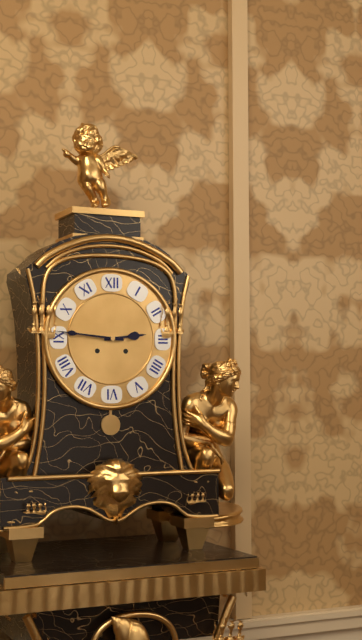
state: 2:46
